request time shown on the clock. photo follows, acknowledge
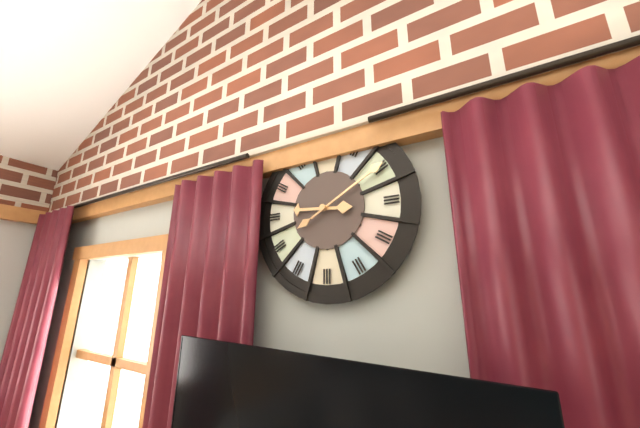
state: 9:10
